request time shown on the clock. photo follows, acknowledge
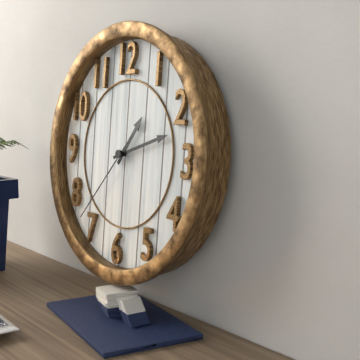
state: 1:12:37
